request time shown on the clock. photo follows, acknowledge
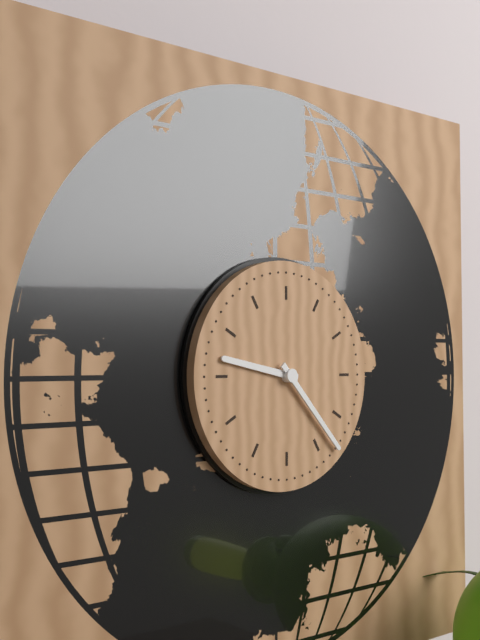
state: 9:23
